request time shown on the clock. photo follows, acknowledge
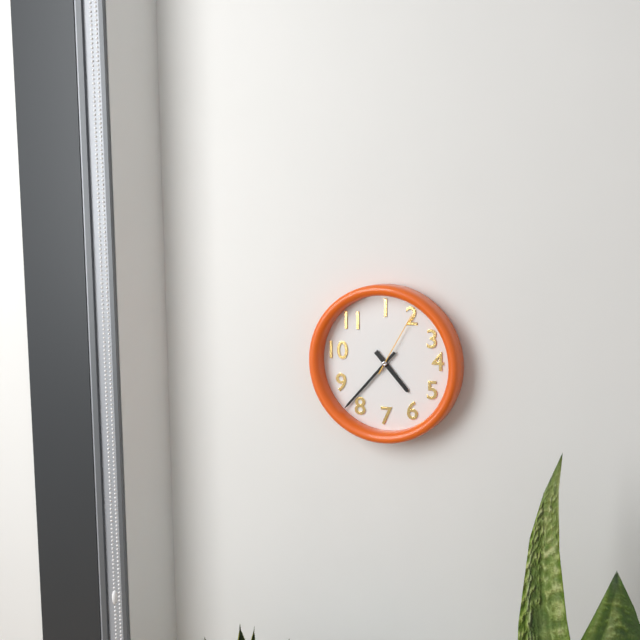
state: 4:37:05
